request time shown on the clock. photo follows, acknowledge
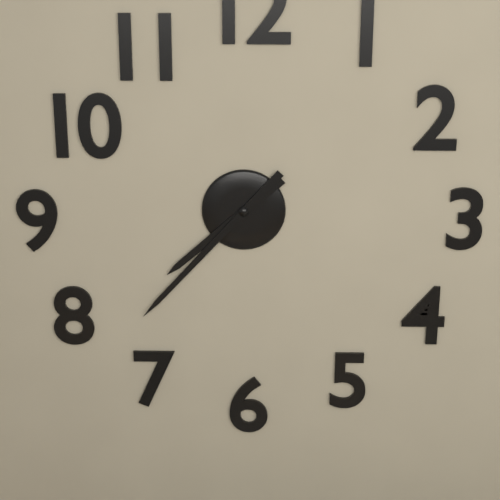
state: 7:37
